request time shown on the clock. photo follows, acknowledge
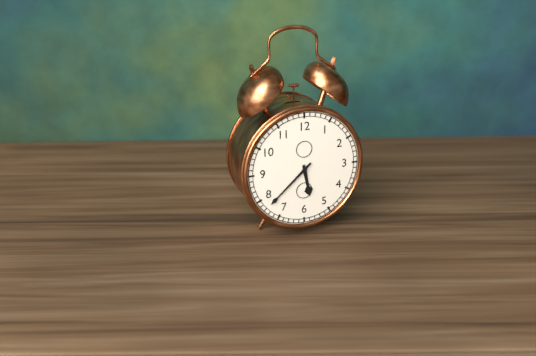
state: 5:38
